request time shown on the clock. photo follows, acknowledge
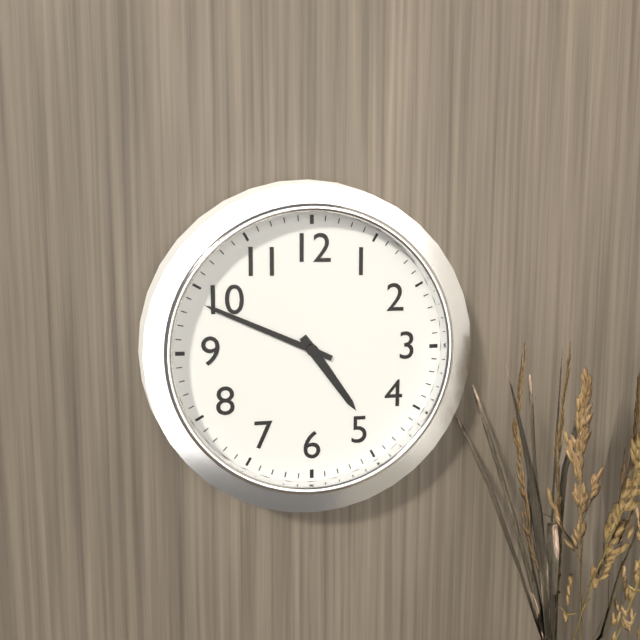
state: 4:49
